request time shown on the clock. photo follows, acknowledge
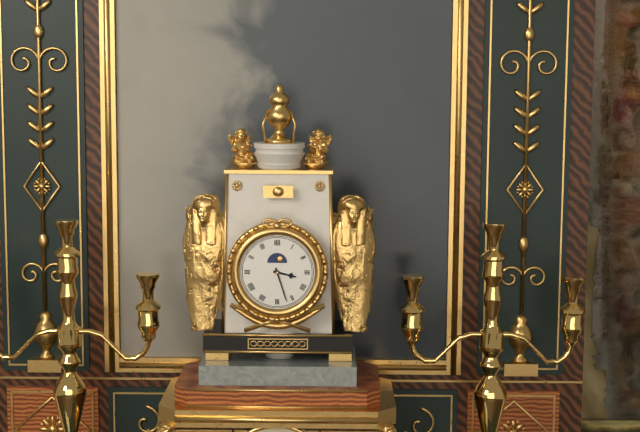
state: 3:27
